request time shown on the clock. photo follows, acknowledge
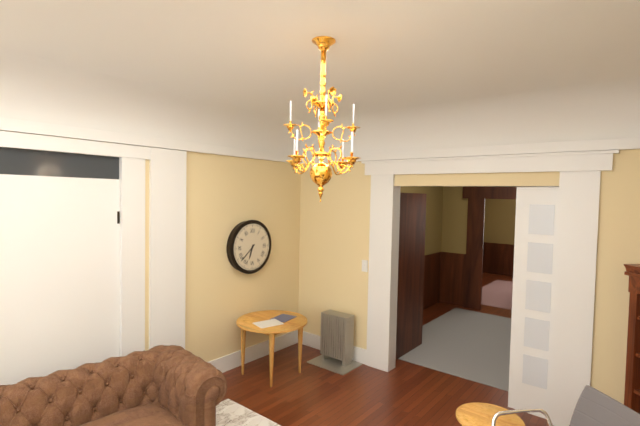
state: 6:38
